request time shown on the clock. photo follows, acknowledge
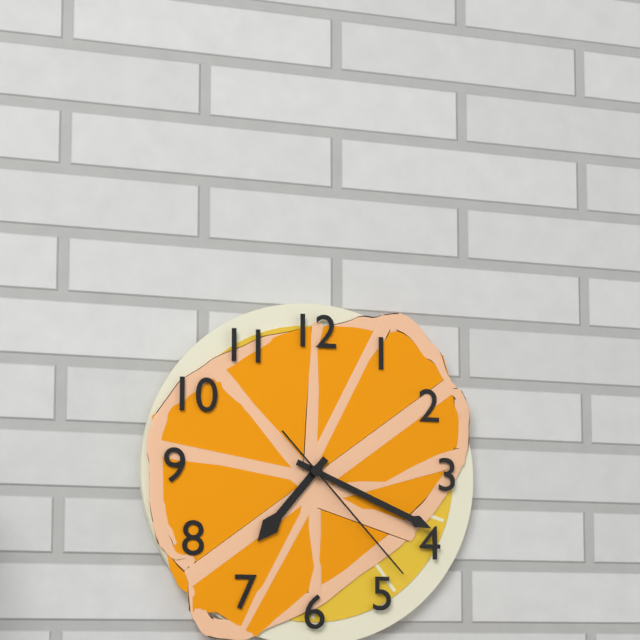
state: 7:19:23
